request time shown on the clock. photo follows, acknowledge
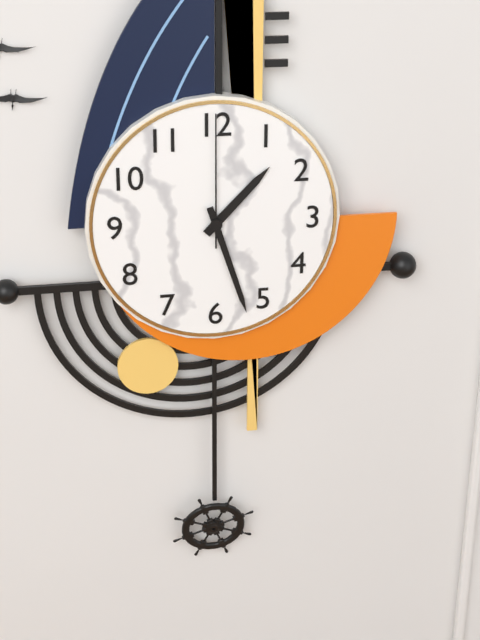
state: 1:27:00
